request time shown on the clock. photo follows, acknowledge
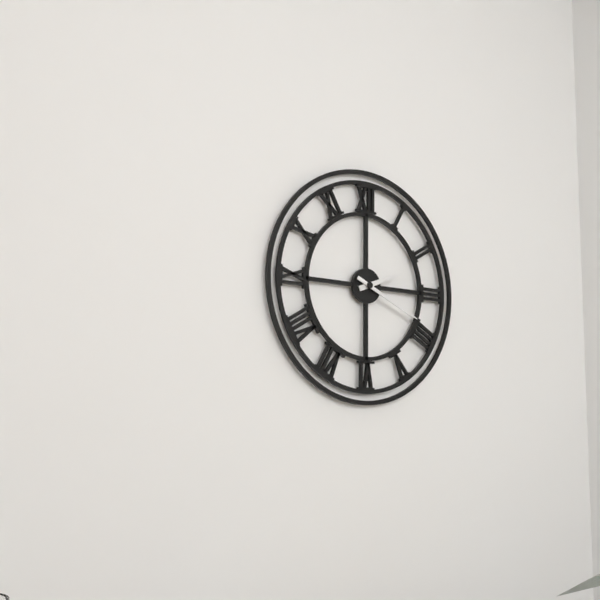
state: 2:19
